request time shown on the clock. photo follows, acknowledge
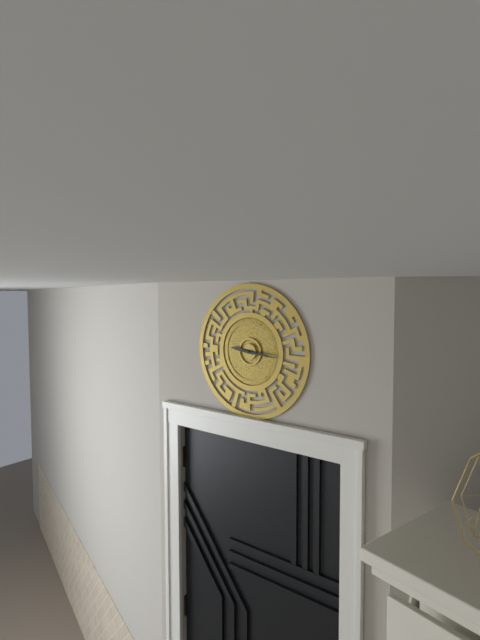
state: 9:16
